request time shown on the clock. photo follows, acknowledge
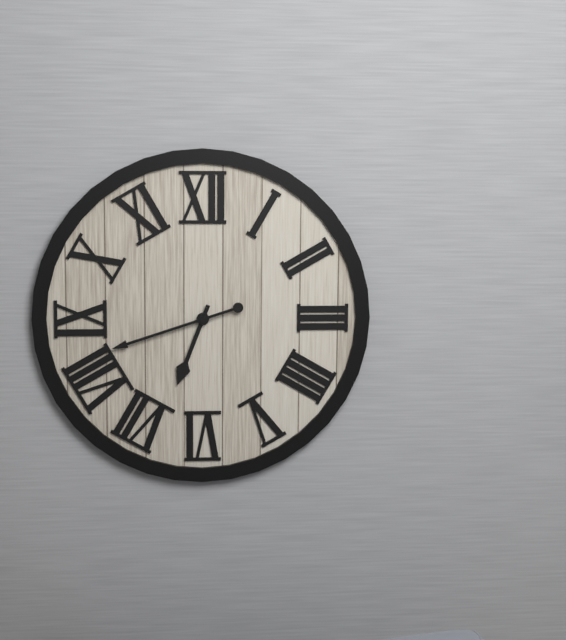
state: 6:42
